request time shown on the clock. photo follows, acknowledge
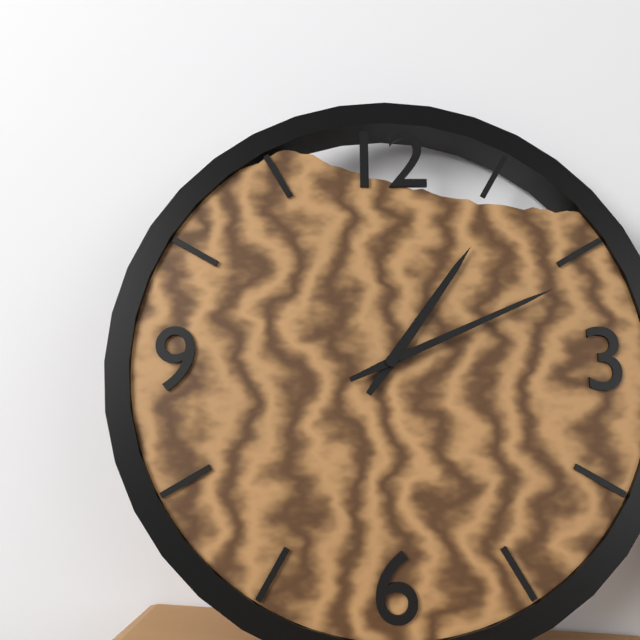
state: 1:11
